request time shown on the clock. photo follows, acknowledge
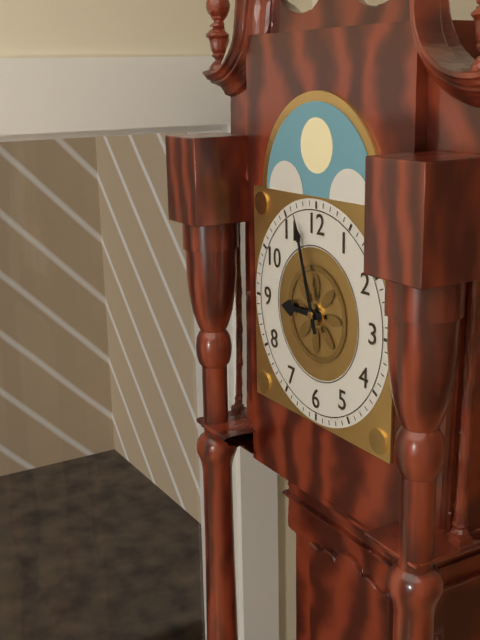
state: 8:57
